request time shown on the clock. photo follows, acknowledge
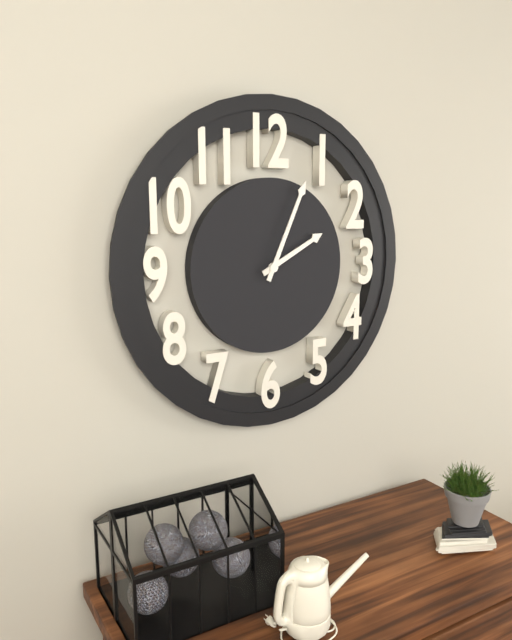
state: 2:04
